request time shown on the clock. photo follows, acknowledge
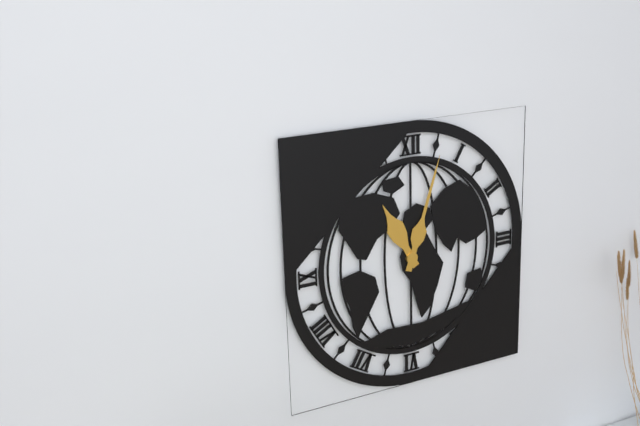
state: 11:03
